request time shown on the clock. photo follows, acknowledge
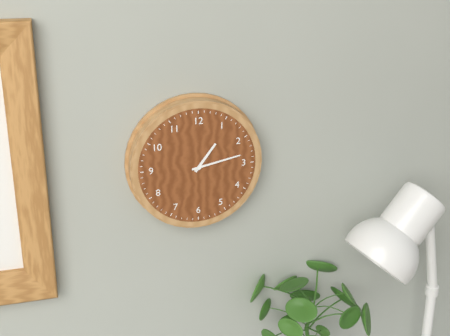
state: 1:13
